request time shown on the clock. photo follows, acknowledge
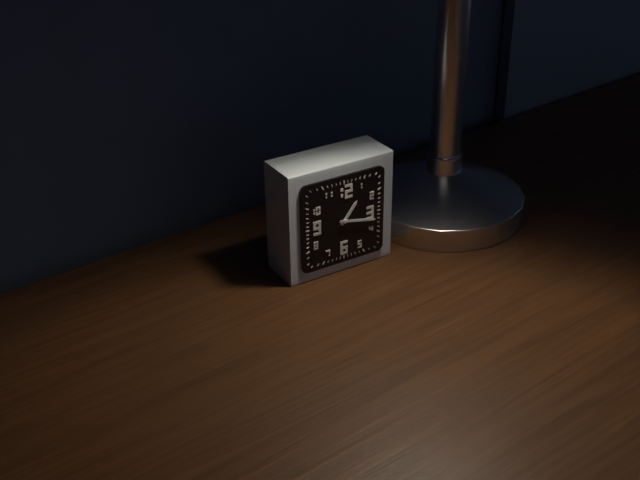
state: 1:17
